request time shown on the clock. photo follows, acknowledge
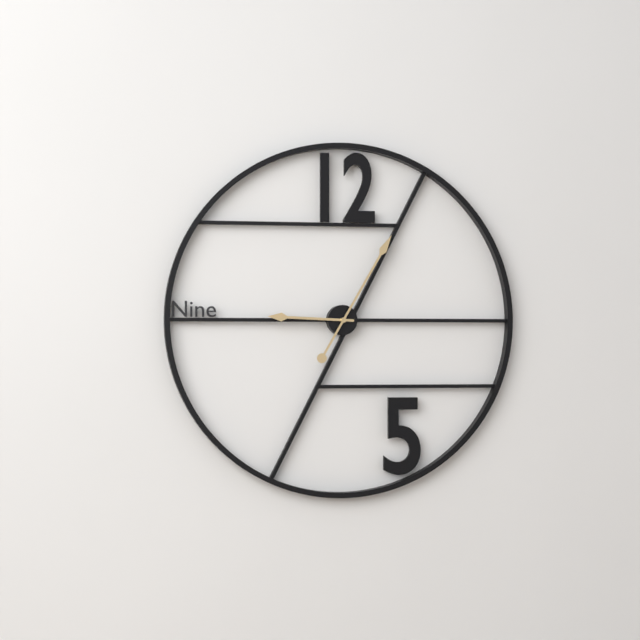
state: 9:05
